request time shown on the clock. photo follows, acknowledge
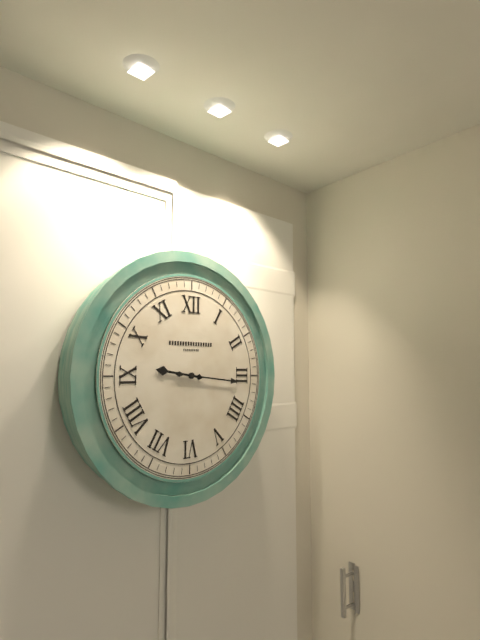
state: 9:16
